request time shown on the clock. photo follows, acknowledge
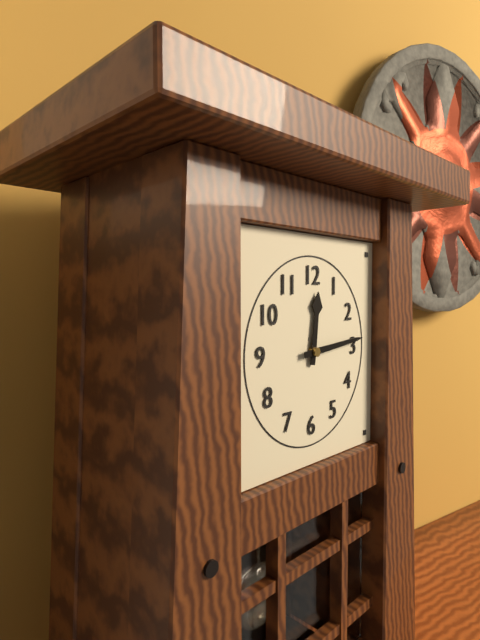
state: 12:14
